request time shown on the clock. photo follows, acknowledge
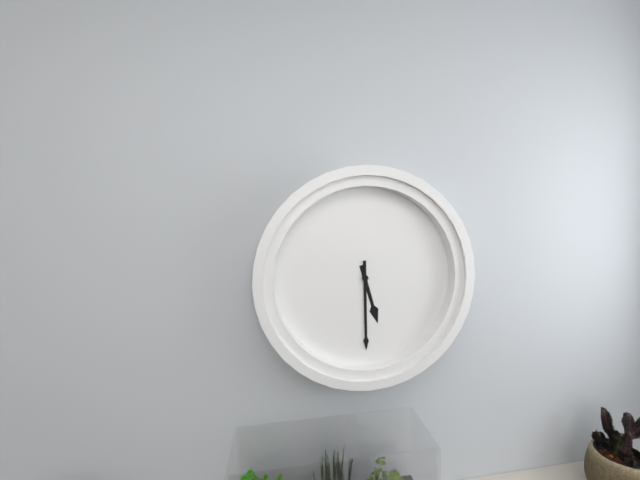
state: 5:30
